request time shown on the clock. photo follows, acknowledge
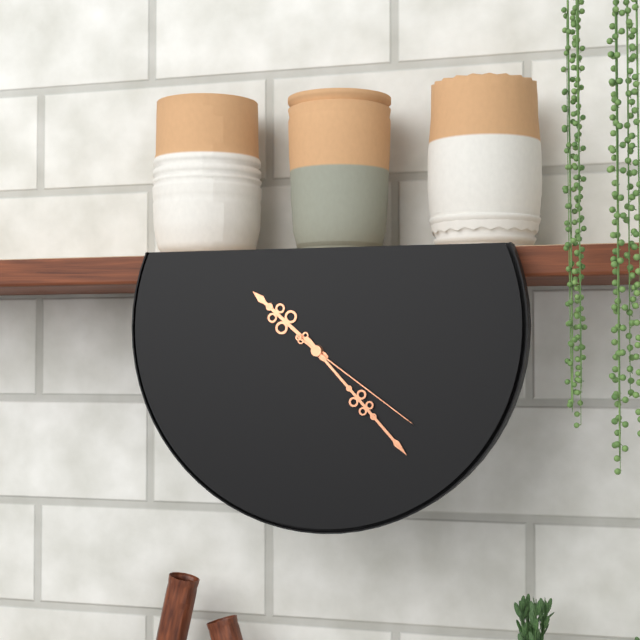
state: 10:23:21
